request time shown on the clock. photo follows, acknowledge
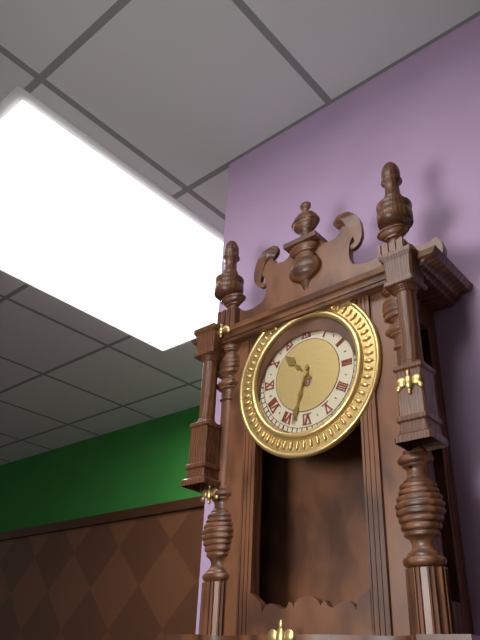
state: 10:33
